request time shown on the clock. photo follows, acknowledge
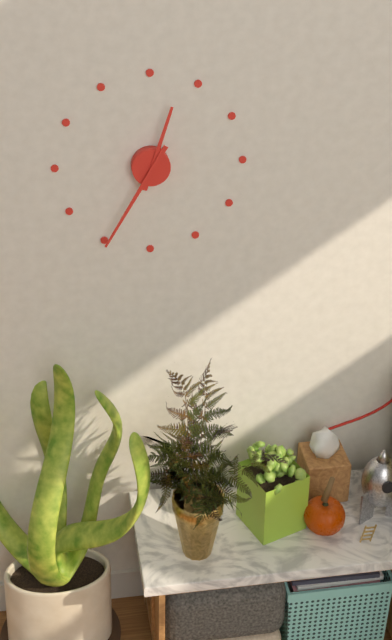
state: 12:35
